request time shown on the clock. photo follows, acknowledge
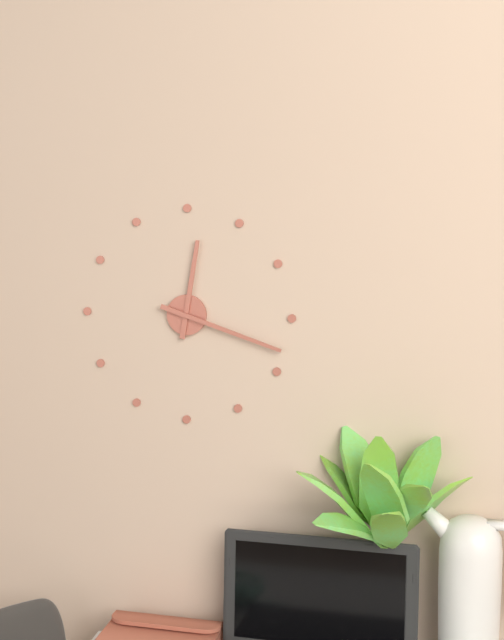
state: 12:18
